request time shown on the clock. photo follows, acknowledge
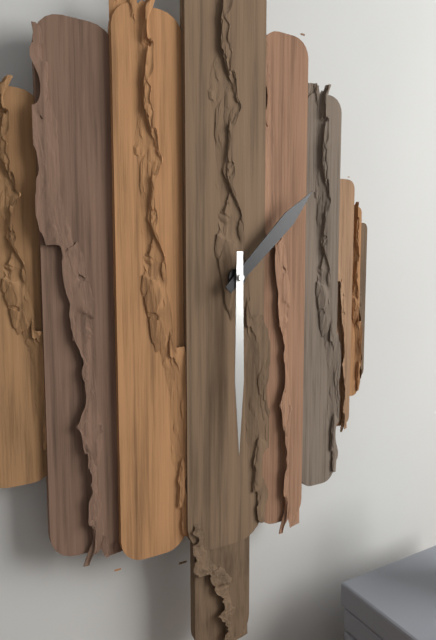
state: 1:30
